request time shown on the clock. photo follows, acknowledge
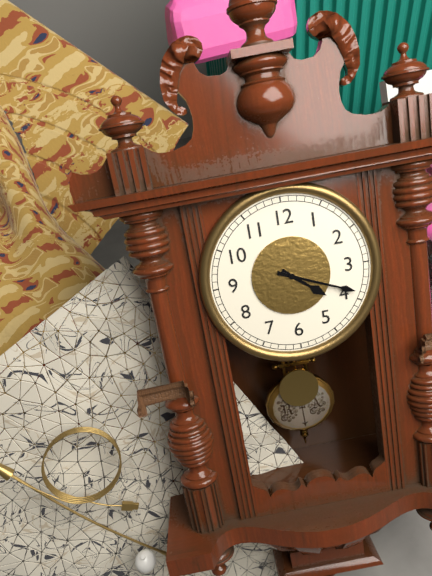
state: 4:19
